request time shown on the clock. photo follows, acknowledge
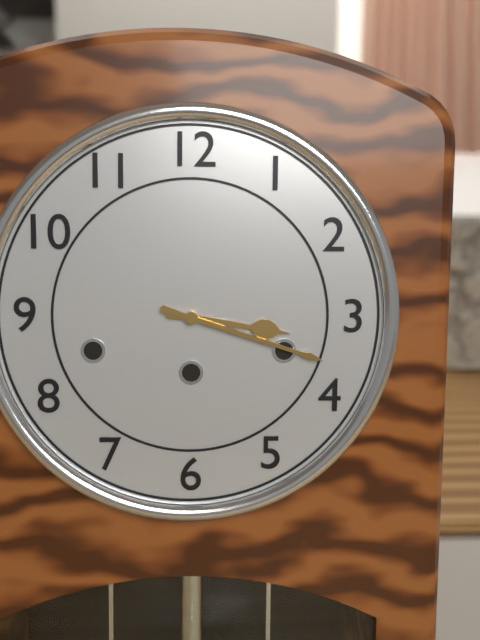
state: 3:18
